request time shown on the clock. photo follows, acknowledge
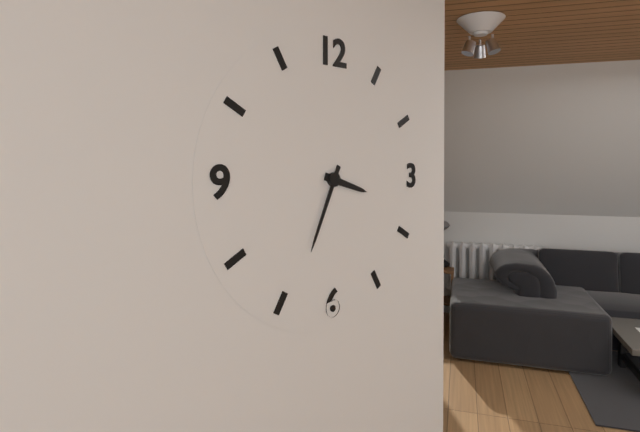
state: 3:34
